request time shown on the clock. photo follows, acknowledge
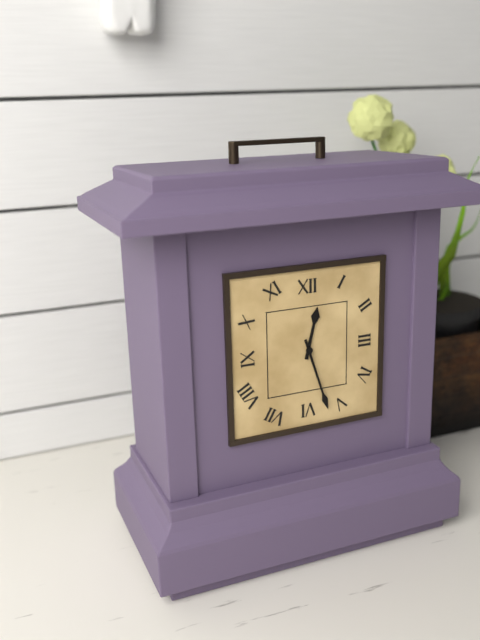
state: 12:27
